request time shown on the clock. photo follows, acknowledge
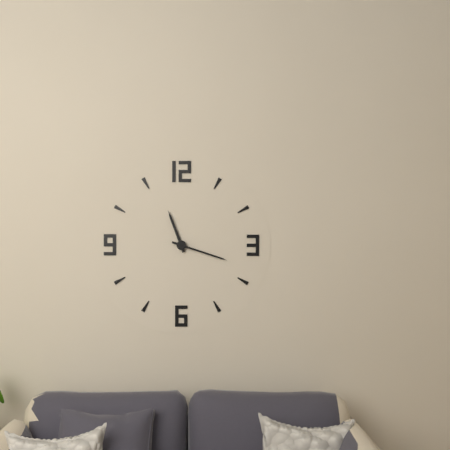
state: 11:18
